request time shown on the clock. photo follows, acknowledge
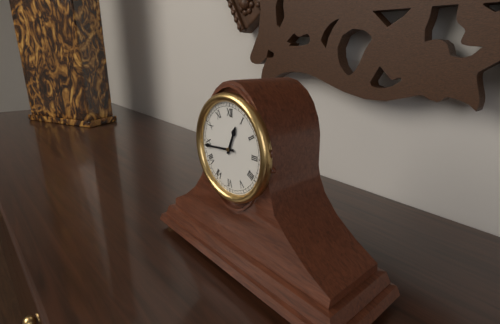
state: 12:44
